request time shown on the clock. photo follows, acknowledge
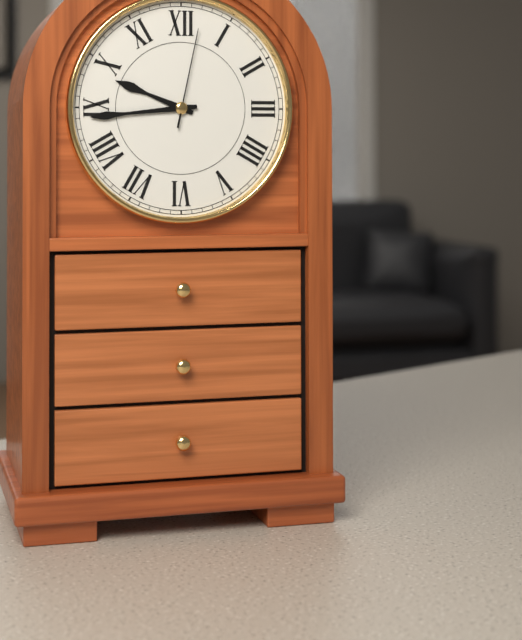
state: 9:44:02
